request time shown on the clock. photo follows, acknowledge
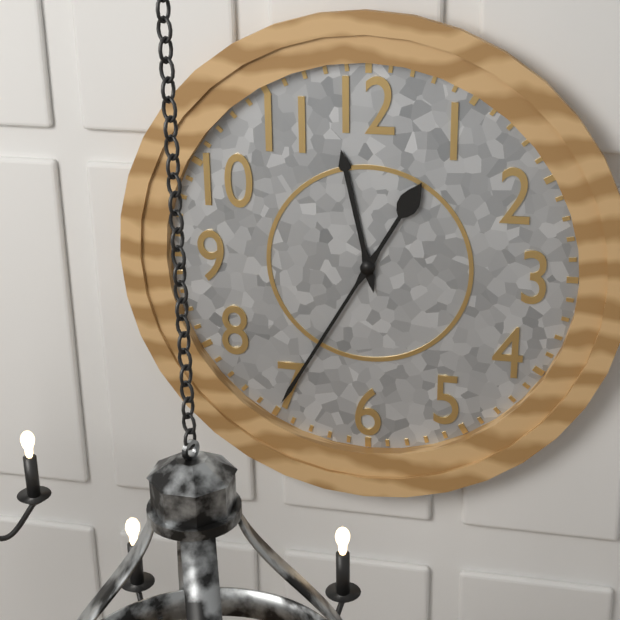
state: 11:35
